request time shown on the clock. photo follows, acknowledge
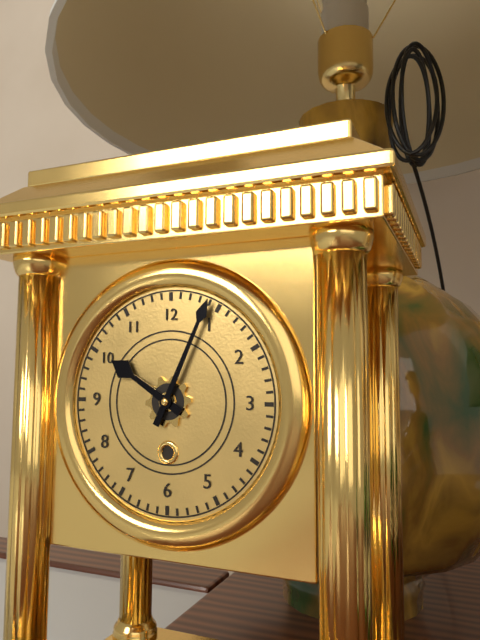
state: 10:04
